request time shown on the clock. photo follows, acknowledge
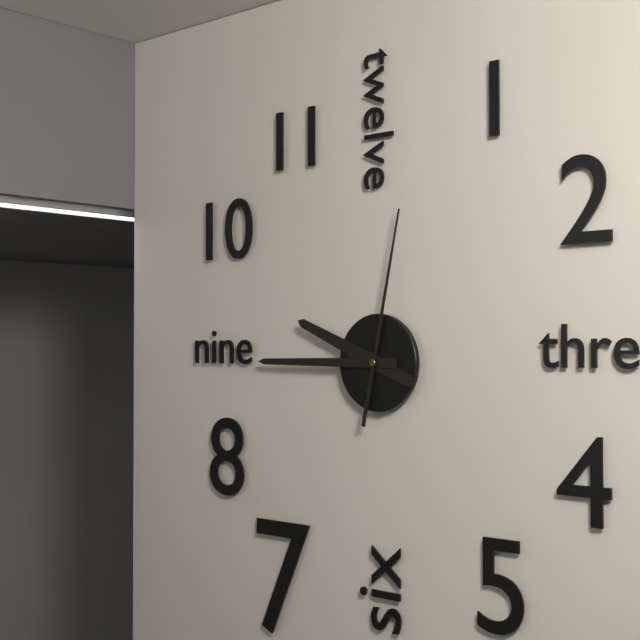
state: 9:45:02
